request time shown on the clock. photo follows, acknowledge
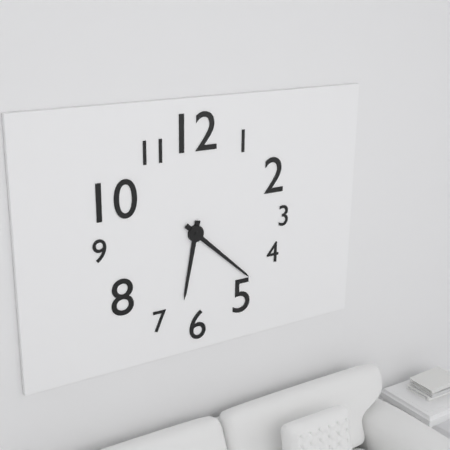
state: 6:22
